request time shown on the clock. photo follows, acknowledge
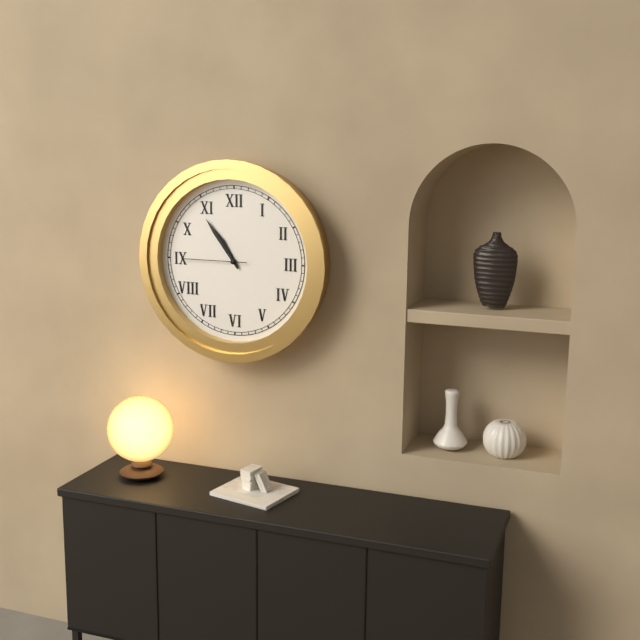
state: 10:54:45
